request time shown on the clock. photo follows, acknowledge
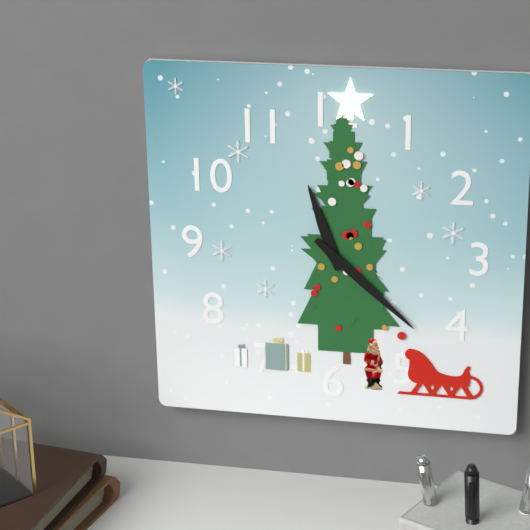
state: 11:22
